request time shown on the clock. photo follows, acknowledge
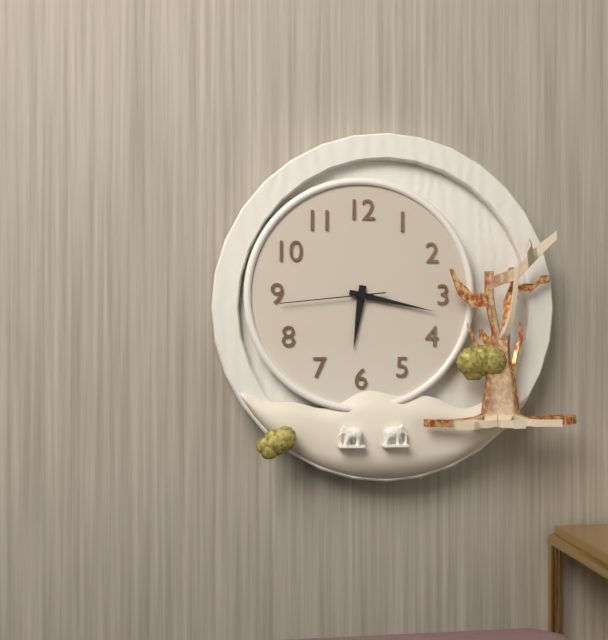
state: 6:17:44
